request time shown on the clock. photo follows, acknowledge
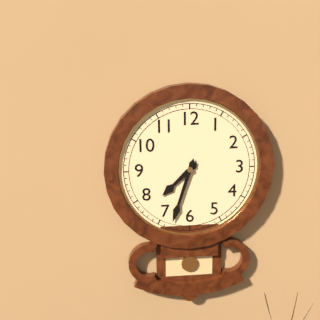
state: 7:33
